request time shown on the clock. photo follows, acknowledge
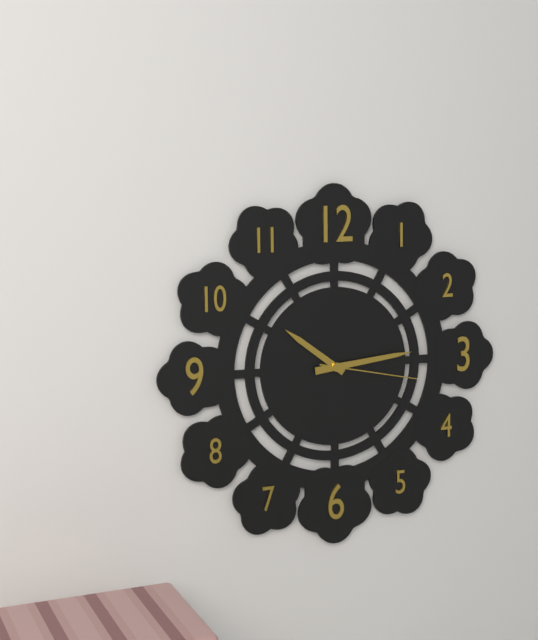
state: 10:14:17
